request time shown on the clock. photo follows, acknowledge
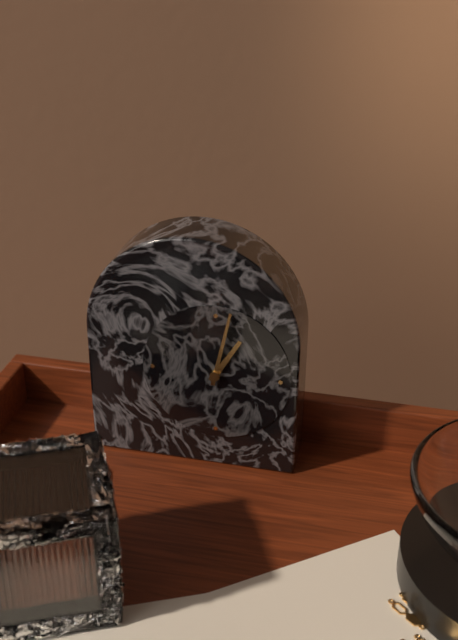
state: 1:02
